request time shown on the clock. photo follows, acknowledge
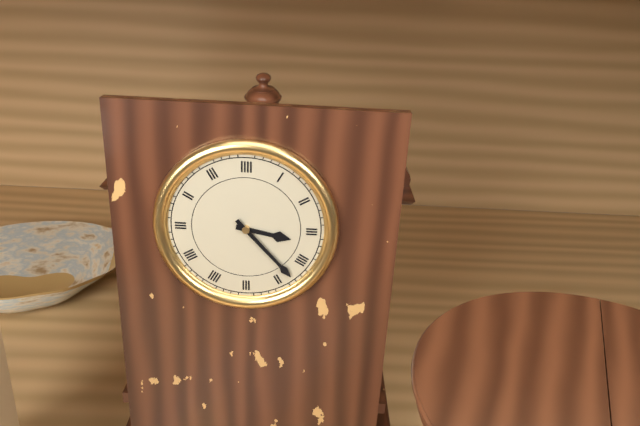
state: 3:23
